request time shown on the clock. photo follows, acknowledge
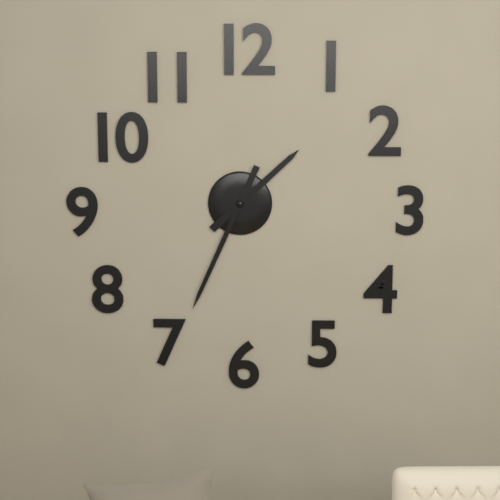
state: 1:34
